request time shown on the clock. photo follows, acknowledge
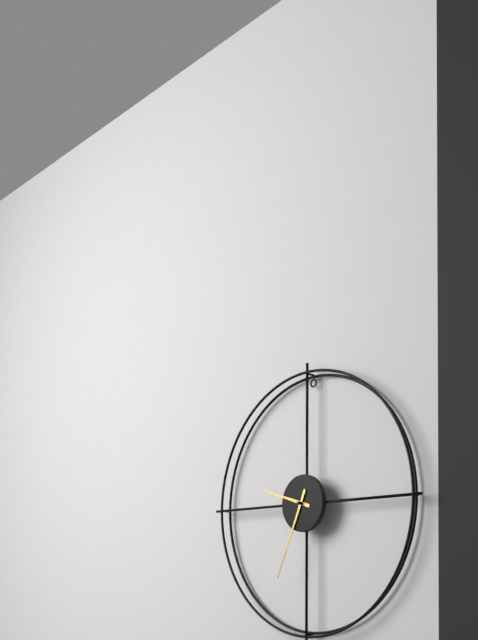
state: 9:34
